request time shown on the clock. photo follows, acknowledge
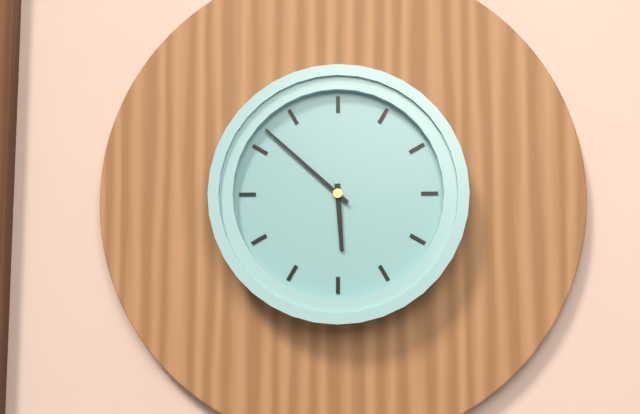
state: 5:52
